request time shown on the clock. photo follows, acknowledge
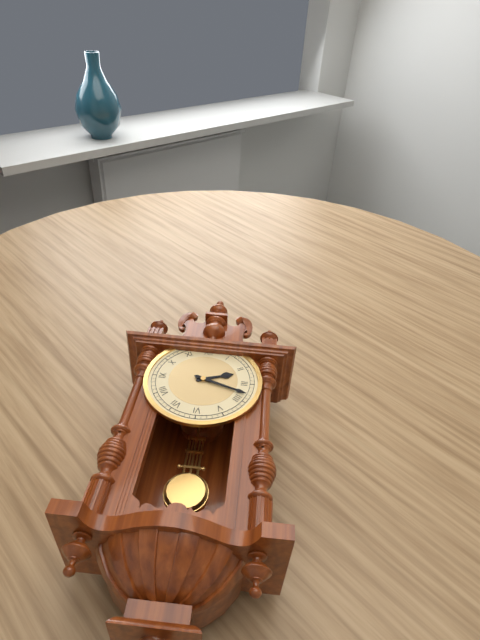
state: 2:18
